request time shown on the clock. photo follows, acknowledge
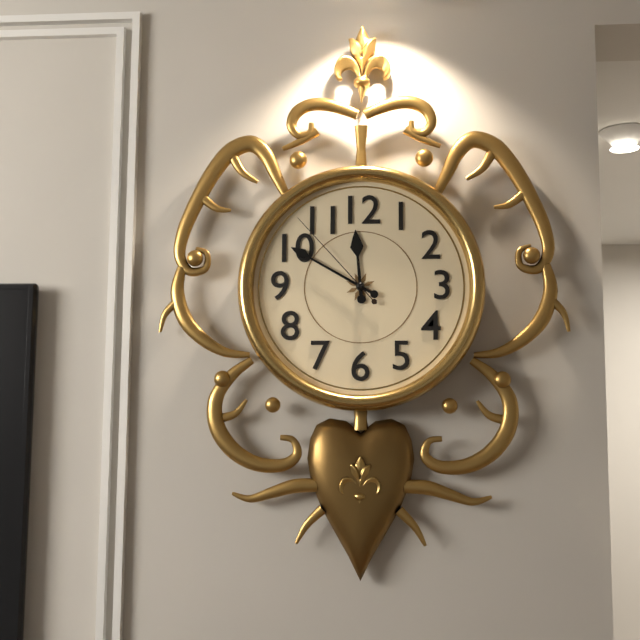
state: 11:50:53
